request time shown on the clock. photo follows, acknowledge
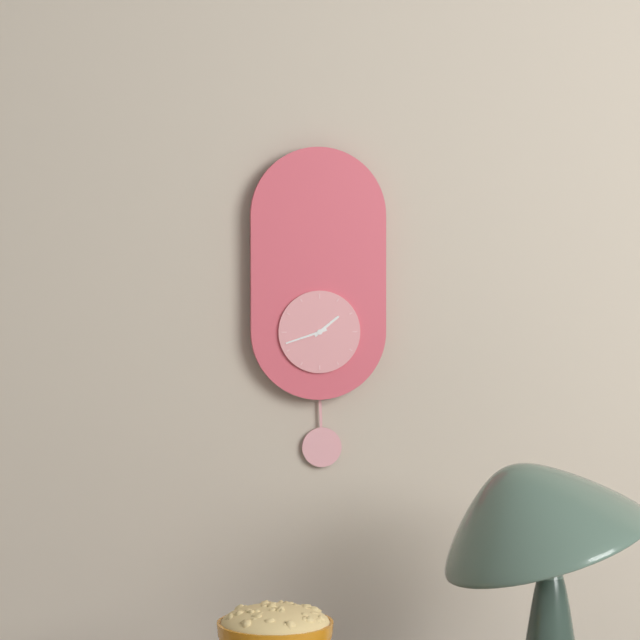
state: 1:42
